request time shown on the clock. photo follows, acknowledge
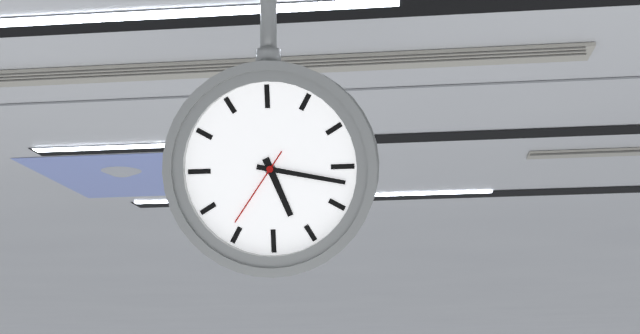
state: 5:17:36
